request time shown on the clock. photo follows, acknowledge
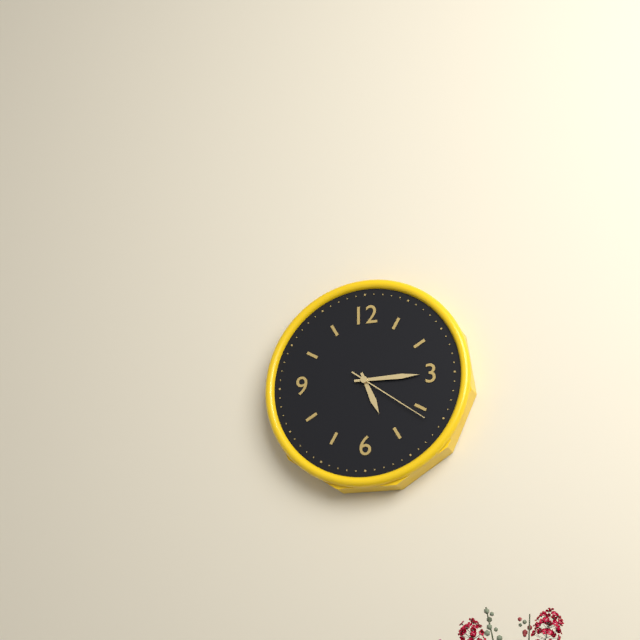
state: 5:15:21
